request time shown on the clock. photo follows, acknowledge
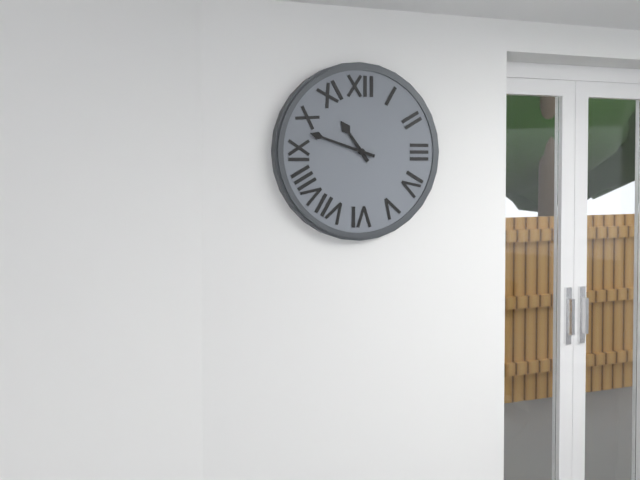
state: 10:48
